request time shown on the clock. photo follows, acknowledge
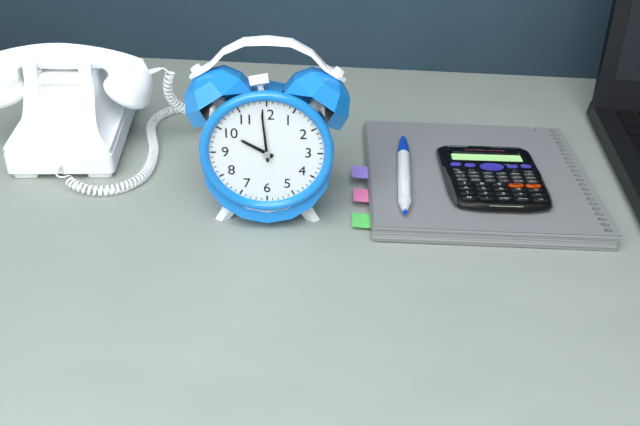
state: 9:59
